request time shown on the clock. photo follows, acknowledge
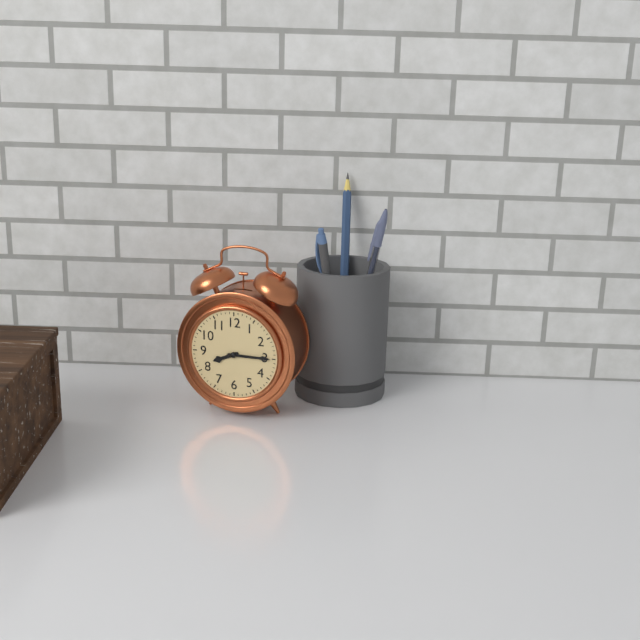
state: 8:15
